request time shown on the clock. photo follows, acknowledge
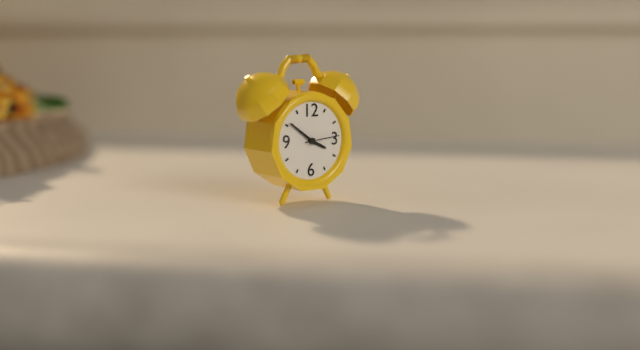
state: 3:51
